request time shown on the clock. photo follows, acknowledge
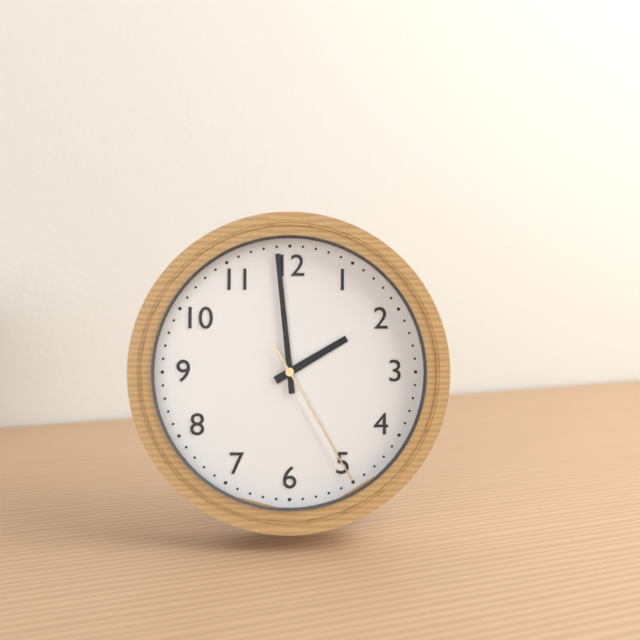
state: 1:59:25
